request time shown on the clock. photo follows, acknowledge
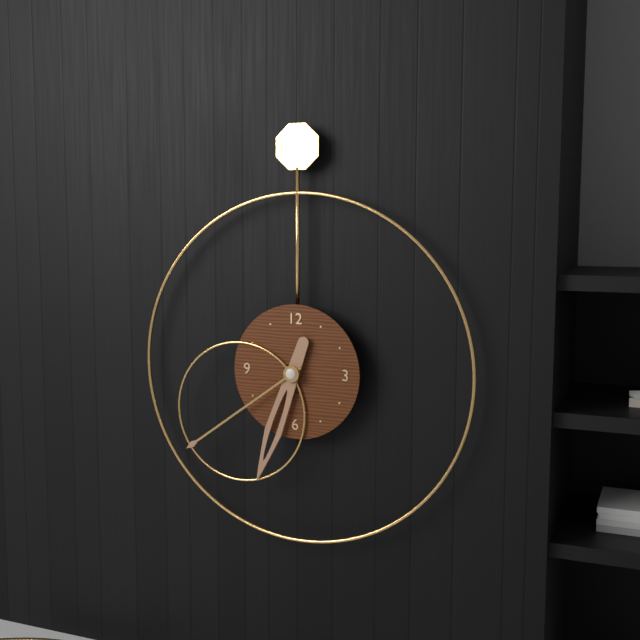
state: 6:39
